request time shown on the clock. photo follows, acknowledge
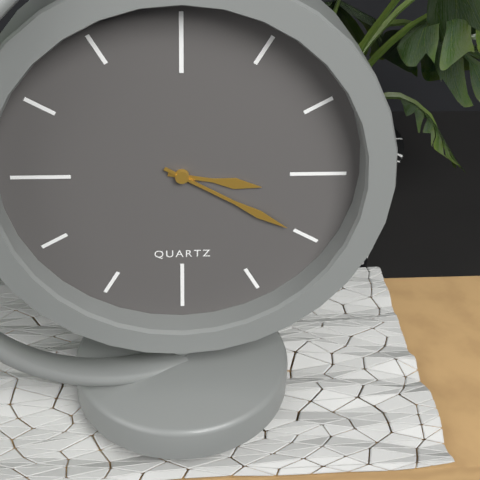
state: 3:20
